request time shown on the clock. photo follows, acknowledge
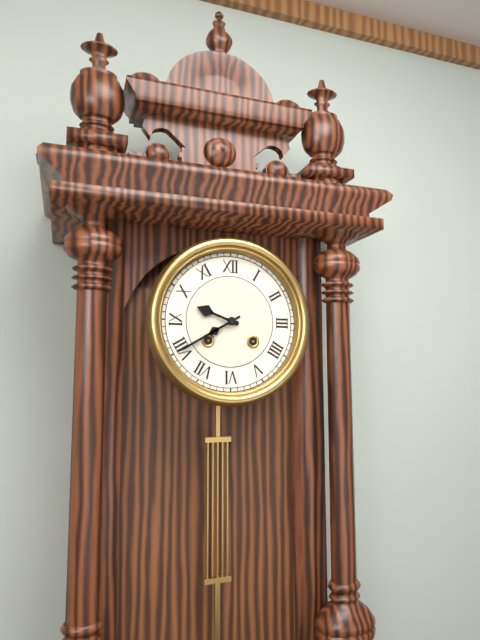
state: 9:40
